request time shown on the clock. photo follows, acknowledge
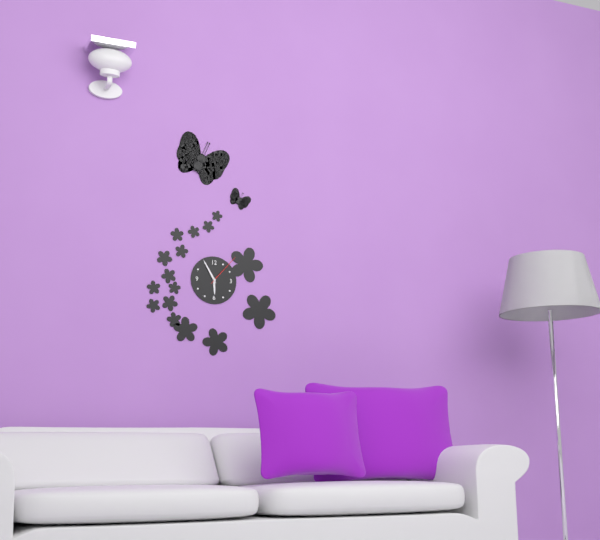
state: 5:55
